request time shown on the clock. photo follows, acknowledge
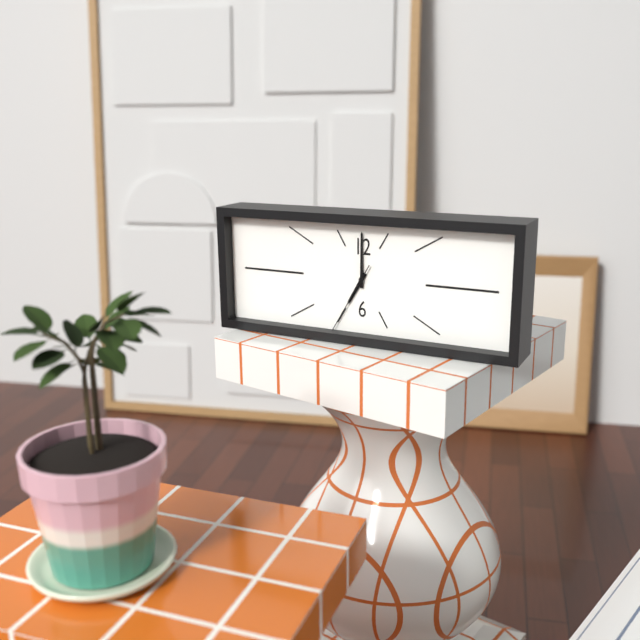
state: 7:00:35
